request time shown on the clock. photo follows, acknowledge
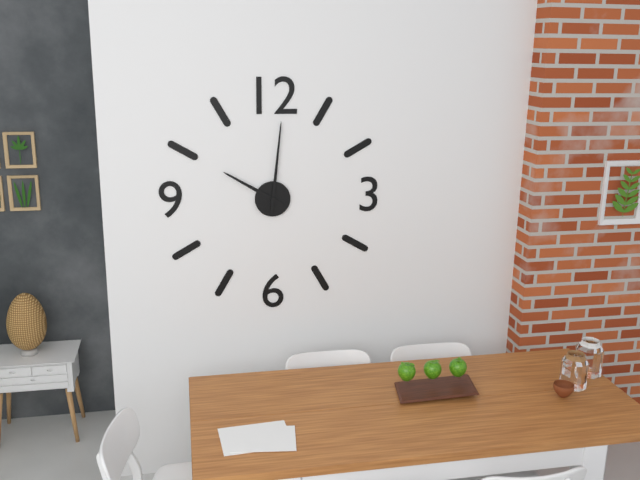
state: 10:01
